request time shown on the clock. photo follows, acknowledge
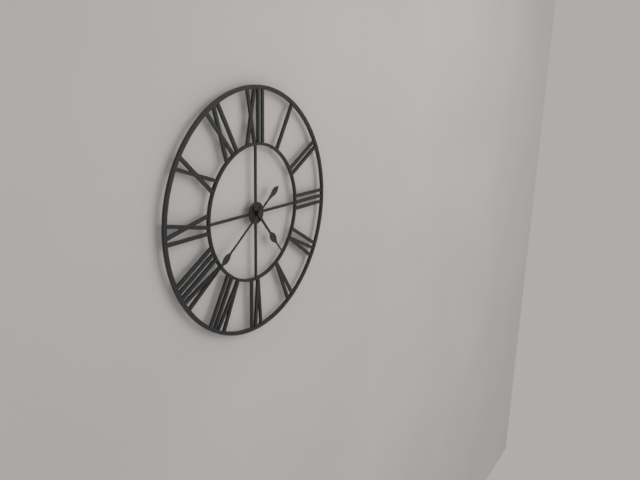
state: 4:39
